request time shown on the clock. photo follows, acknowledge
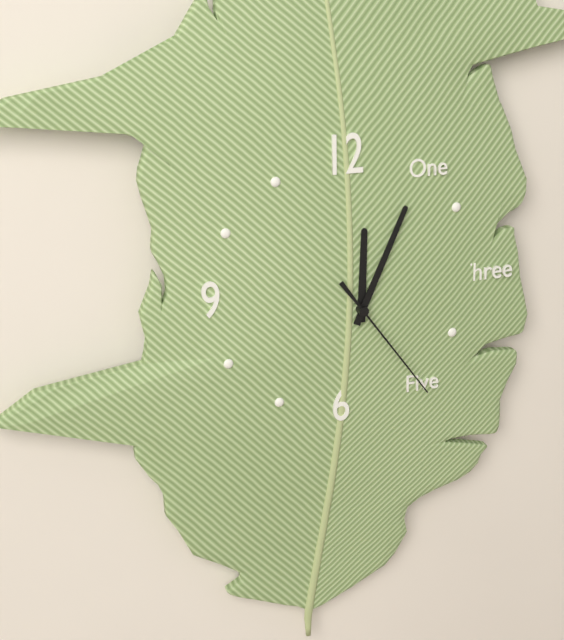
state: 12:04:24
